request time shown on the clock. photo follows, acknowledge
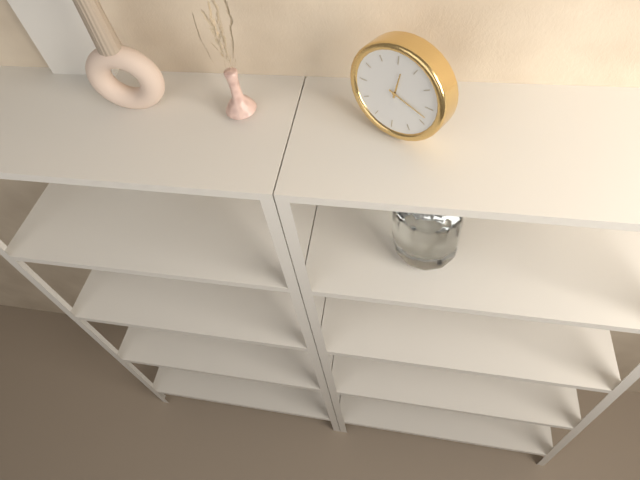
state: 12:18
